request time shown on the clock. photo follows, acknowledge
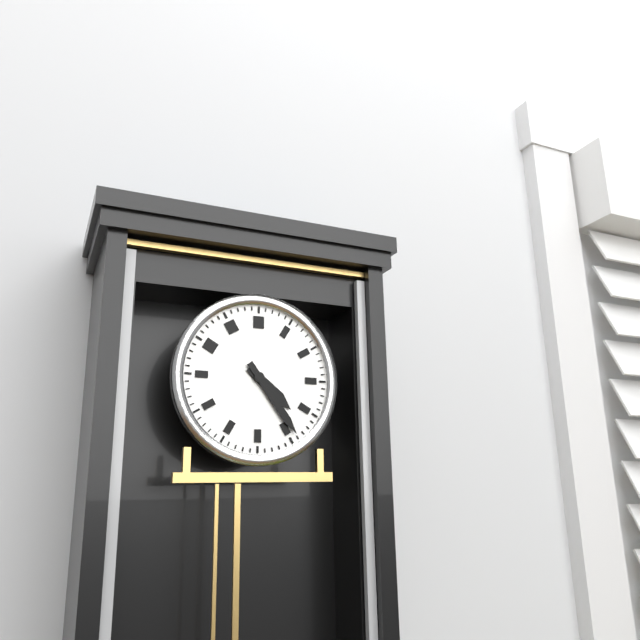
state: 4:24
